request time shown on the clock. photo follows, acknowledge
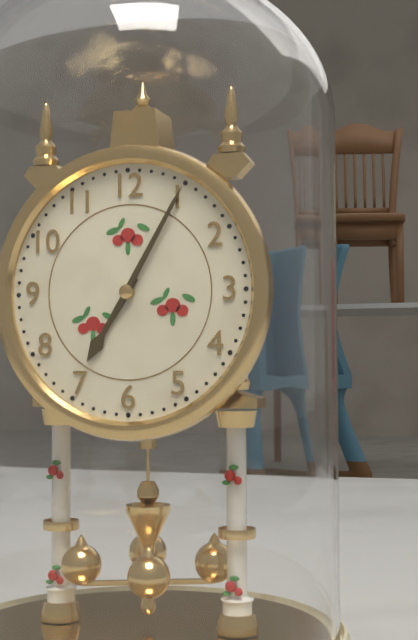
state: 7:05
